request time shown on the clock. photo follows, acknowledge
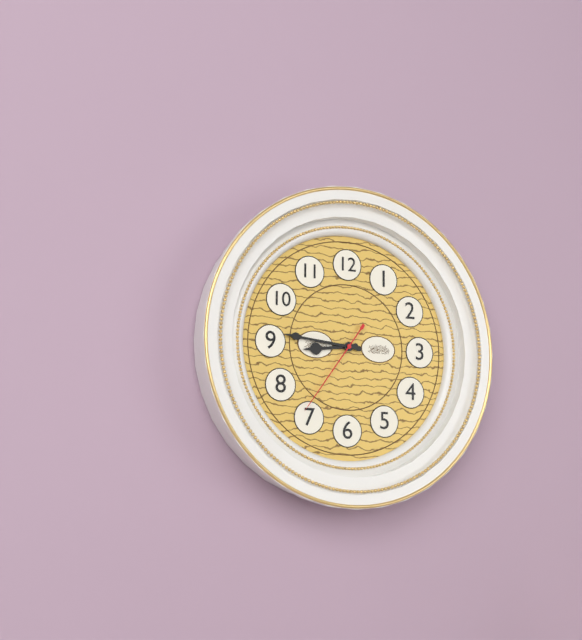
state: 8:46:36
